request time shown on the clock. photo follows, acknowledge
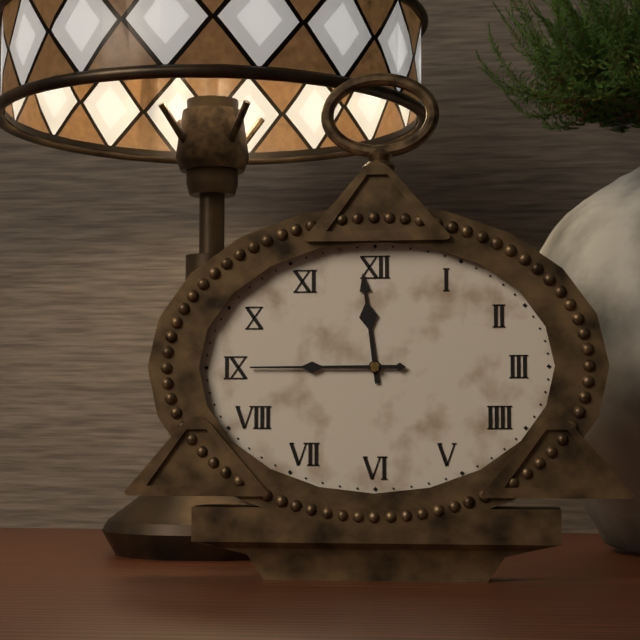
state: 11:45
